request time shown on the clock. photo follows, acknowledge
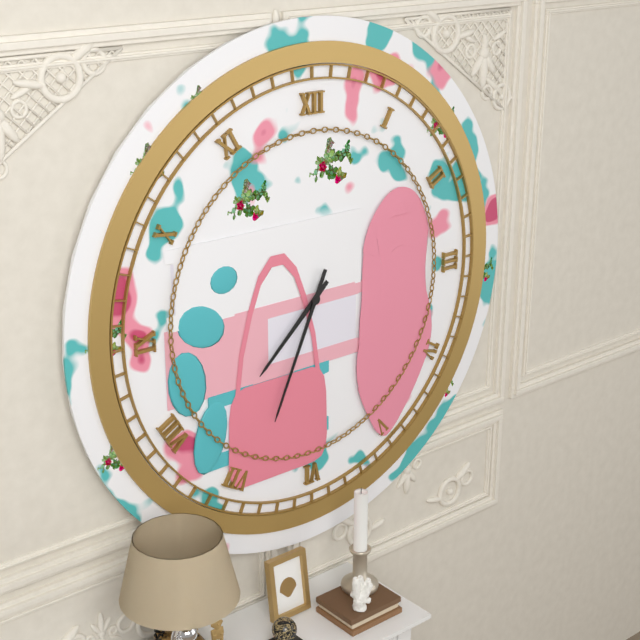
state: 7:34
